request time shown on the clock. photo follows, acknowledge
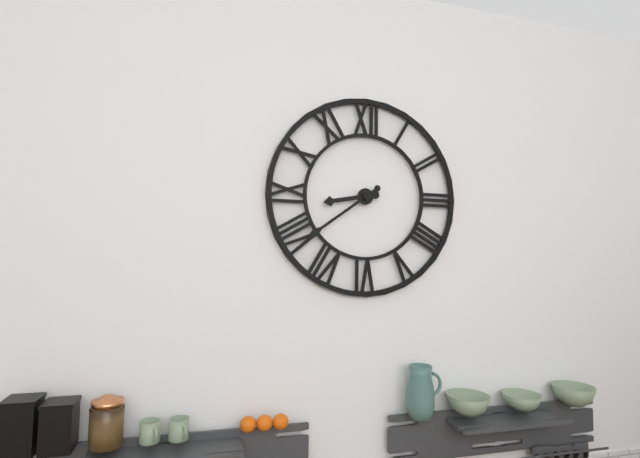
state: 8:39
